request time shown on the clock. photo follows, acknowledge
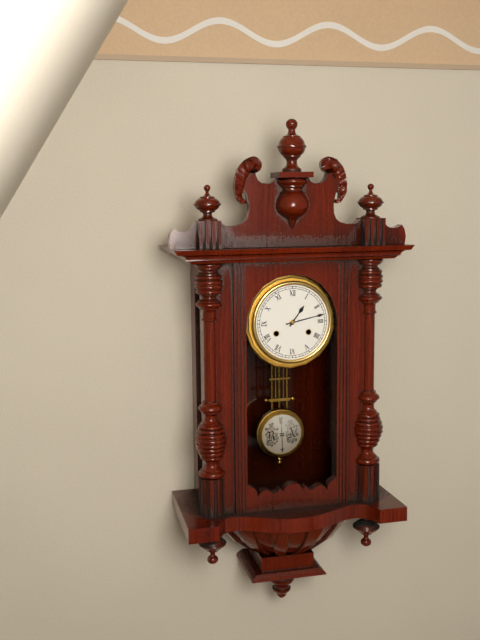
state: 1:13
